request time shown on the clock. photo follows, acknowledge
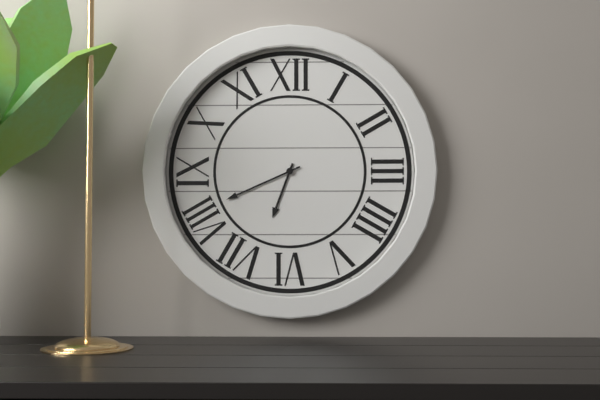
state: 6:41
